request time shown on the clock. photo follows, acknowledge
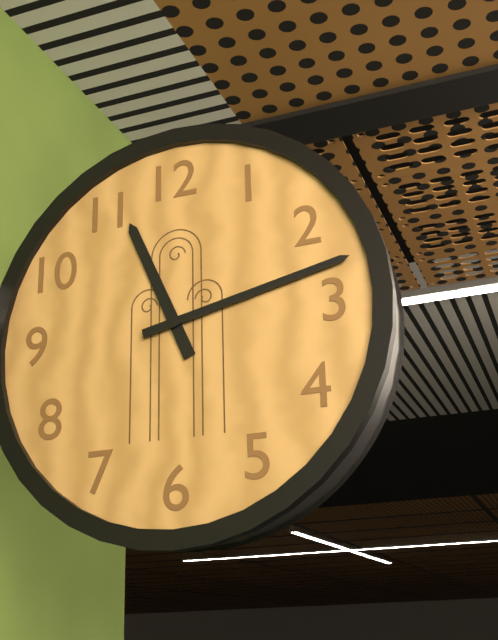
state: 11:13
